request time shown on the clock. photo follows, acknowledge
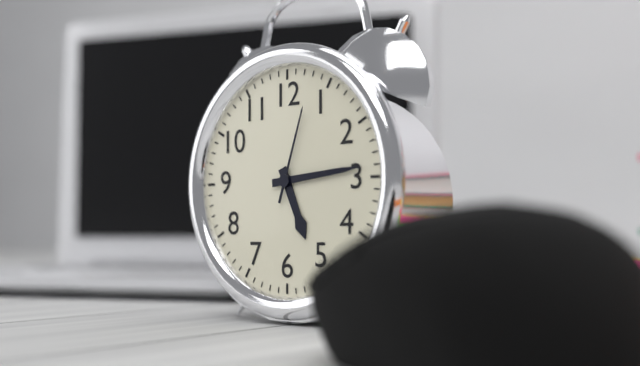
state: 5:14:03
